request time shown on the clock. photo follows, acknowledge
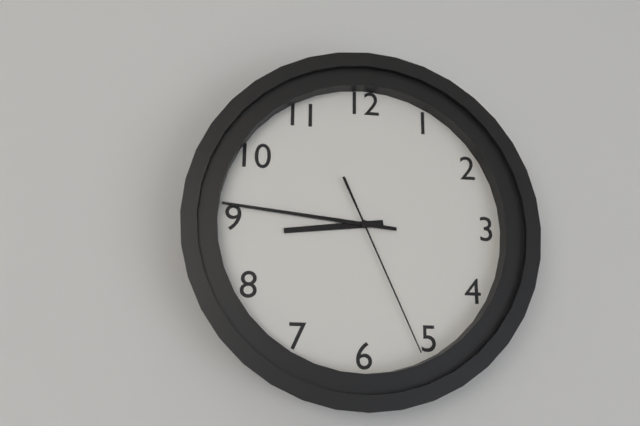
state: 8:46:26
